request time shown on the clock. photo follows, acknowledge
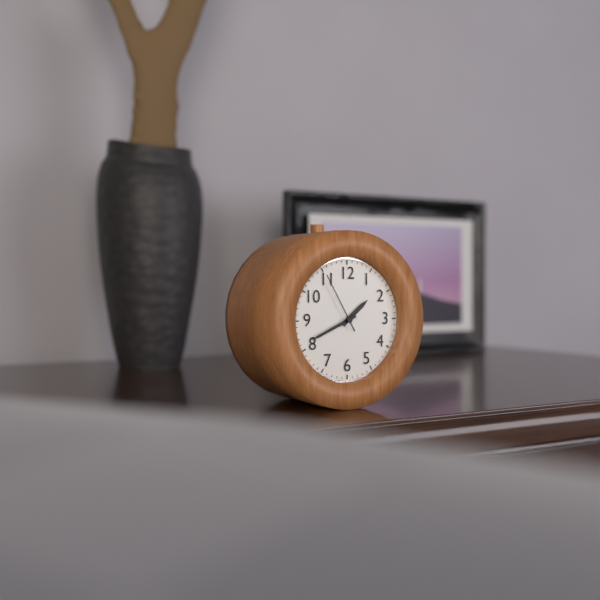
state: 1:41:55
